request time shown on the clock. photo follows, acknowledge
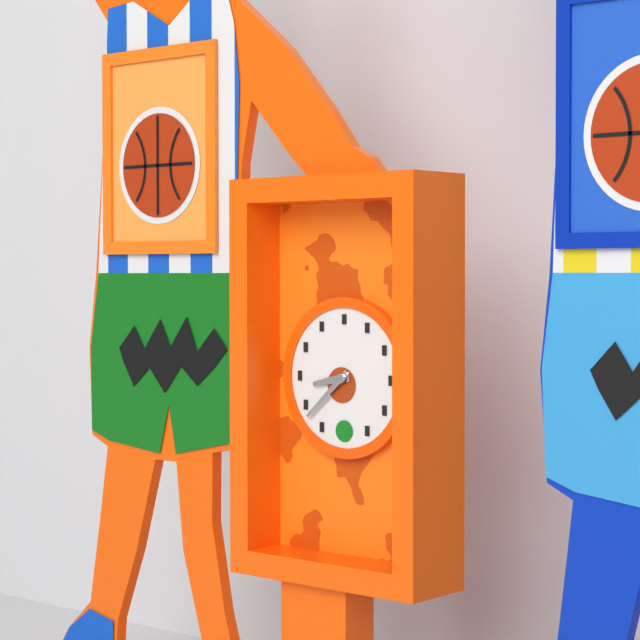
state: 8:38
